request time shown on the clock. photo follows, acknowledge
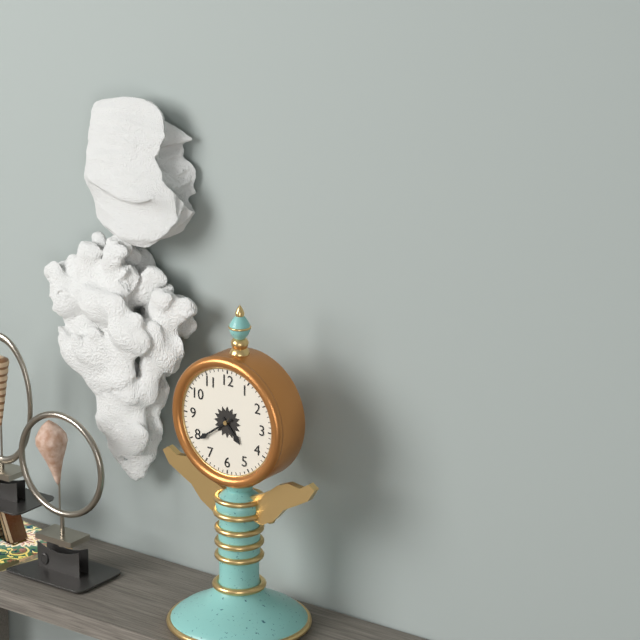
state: 4:39
